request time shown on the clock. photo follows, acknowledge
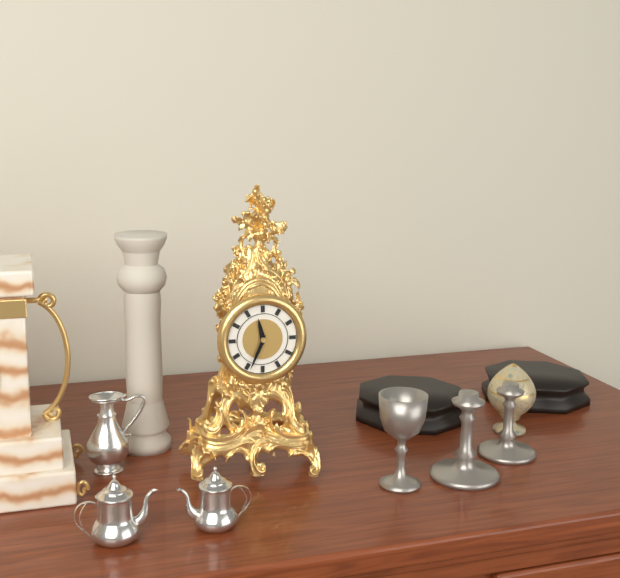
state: 11:34
